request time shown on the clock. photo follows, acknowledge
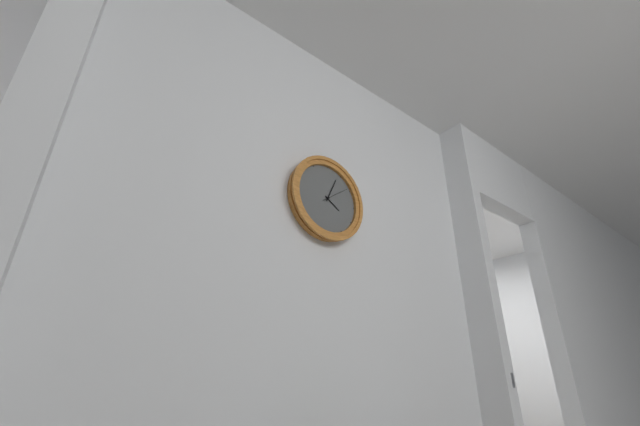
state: 4:04
